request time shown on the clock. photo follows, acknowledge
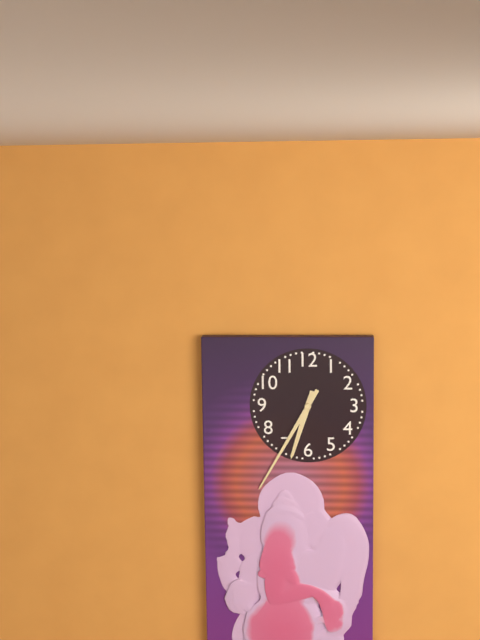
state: 6:35
